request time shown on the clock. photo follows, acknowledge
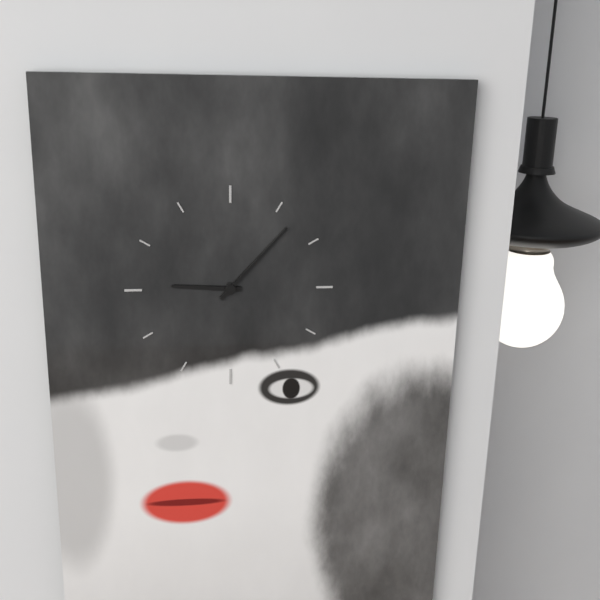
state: 9:07
